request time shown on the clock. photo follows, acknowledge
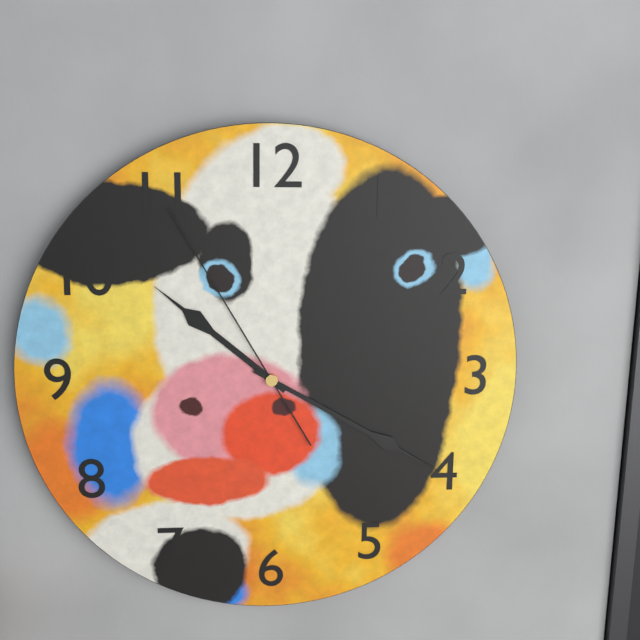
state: 10:20:55
